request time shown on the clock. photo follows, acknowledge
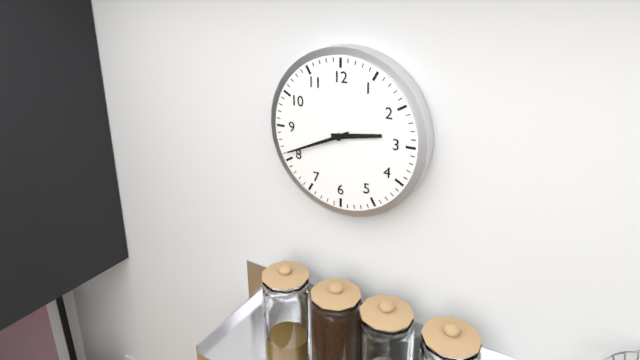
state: 2:41
